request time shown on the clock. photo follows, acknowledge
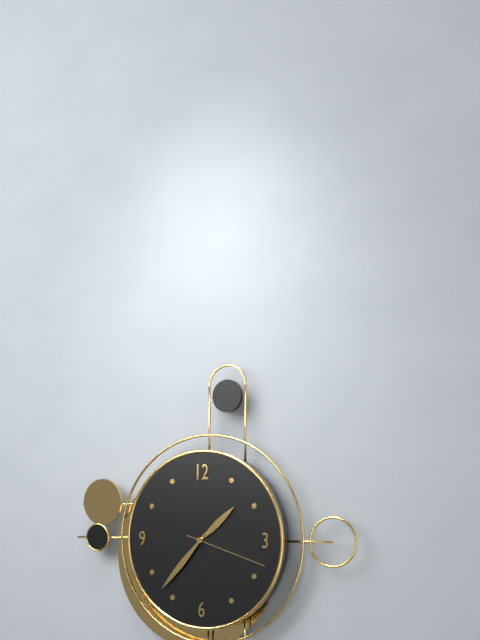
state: 1:37:18
